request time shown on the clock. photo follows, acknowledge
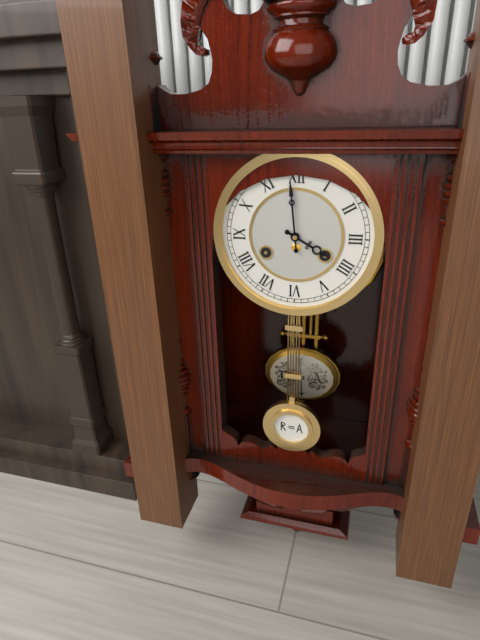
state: 3:59
